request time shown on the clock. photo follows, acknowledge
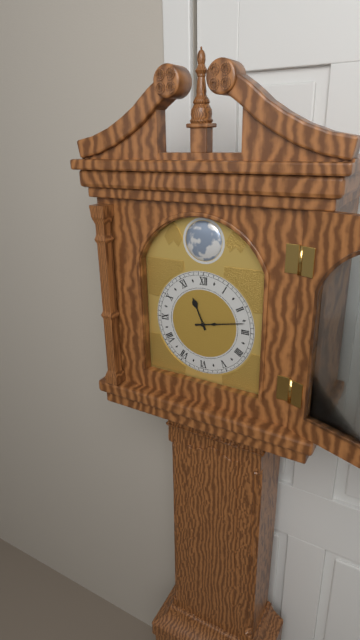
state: 11:13
